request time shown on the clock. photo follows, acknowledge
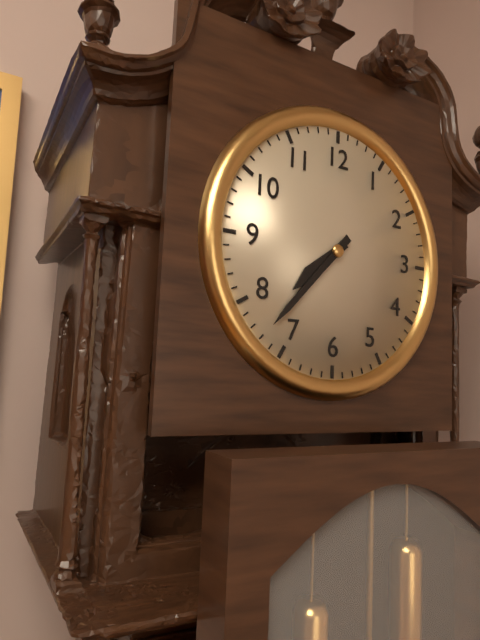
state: 7:37
